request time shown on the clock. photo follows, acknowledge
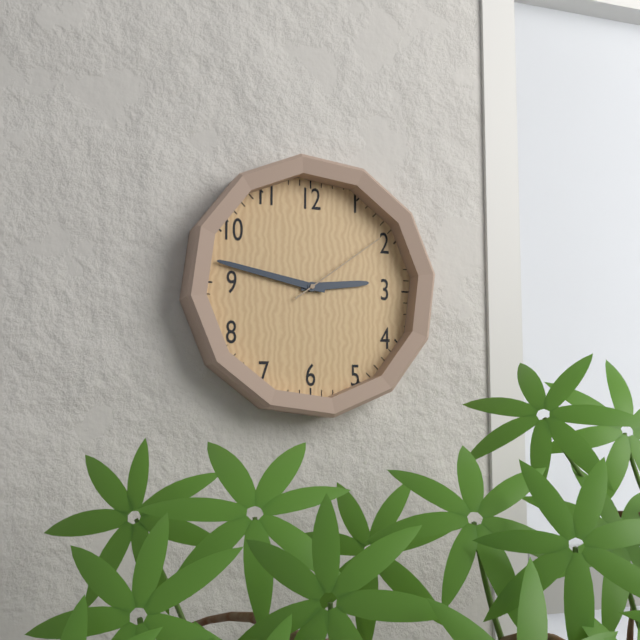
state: 2:47:09
